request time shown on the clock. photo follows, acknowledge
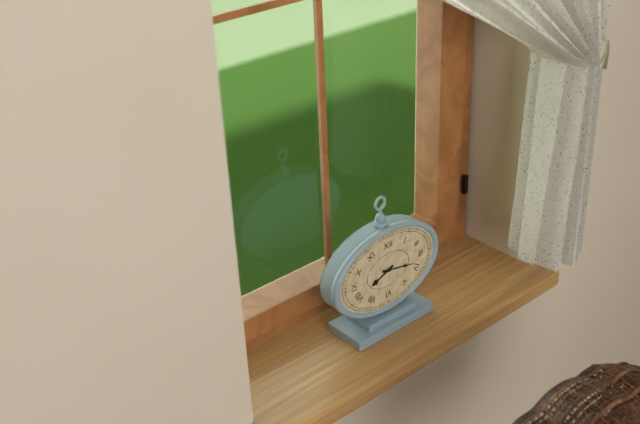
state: 8:17
